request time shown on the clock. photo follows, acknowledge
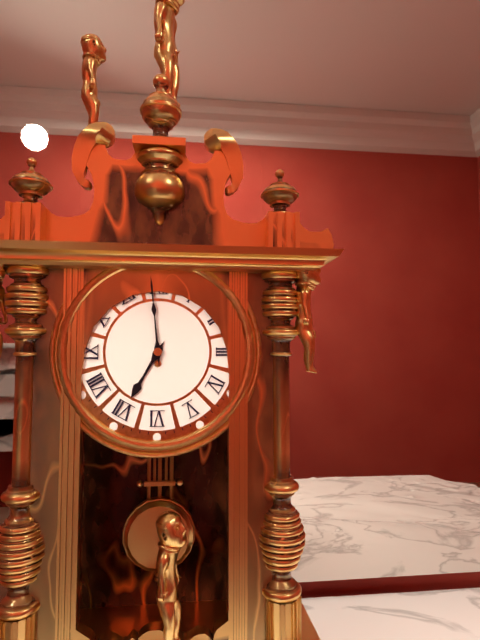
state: 6:59
